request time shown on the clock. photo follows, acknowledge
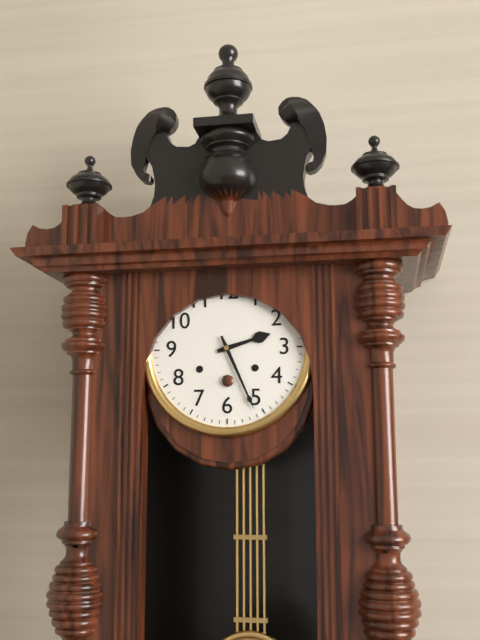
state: 2:26
